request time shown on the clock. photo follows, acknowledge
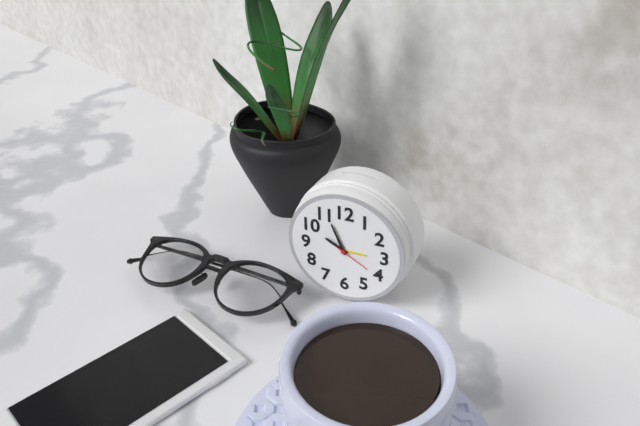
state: 9:56
